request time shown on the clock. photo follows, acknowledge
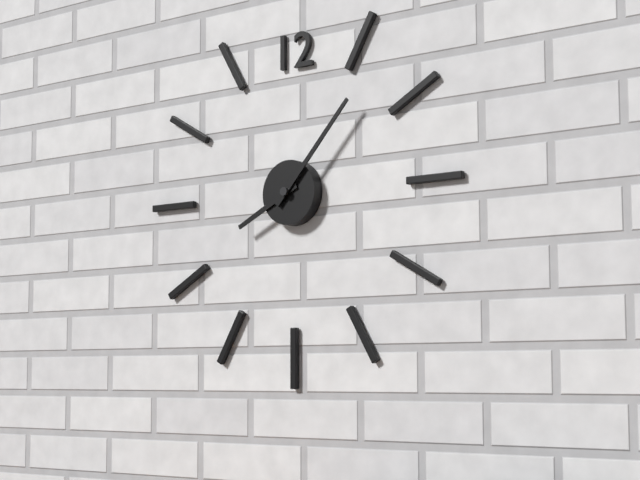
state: 8:07
